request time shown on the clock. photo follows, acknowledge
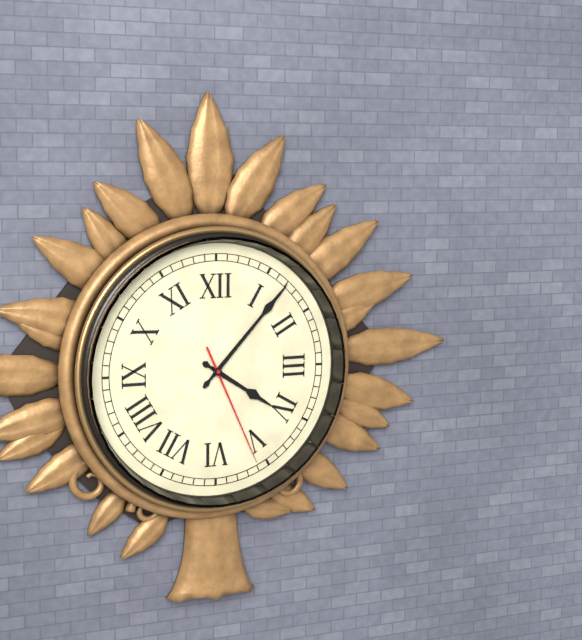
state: 4:07:26
